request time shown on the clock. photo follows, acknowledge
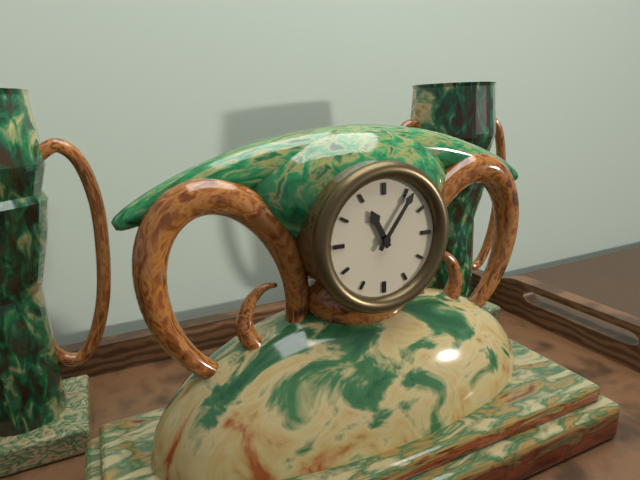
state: 11:06
